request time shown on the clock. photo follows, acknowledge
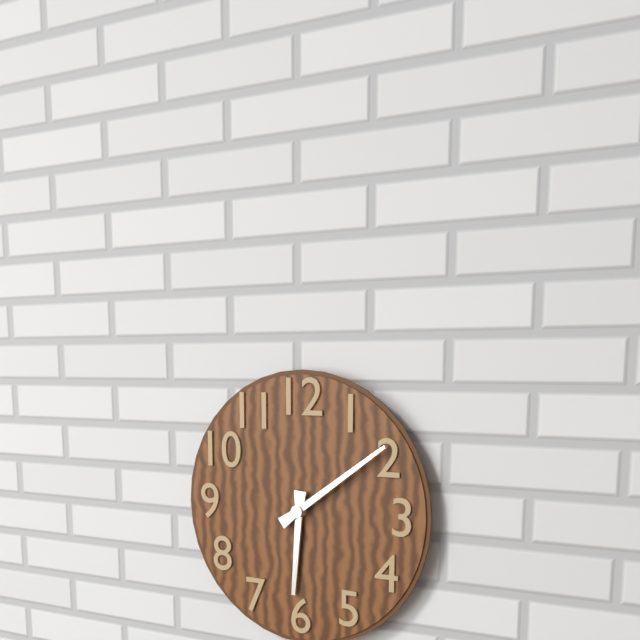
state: 6:09
